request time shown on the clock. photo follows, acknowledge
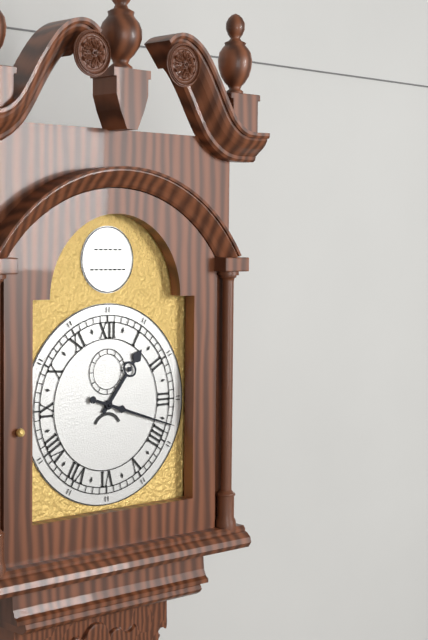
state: 1:18
